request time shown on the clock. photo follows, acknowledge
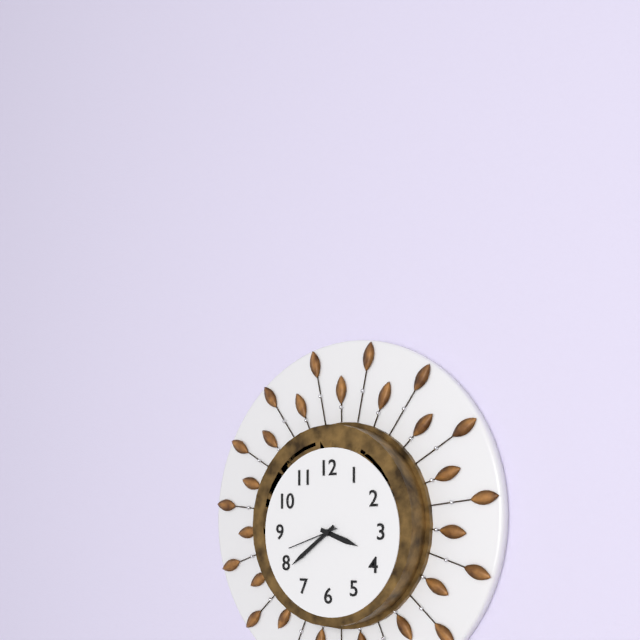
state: 3:39:42
